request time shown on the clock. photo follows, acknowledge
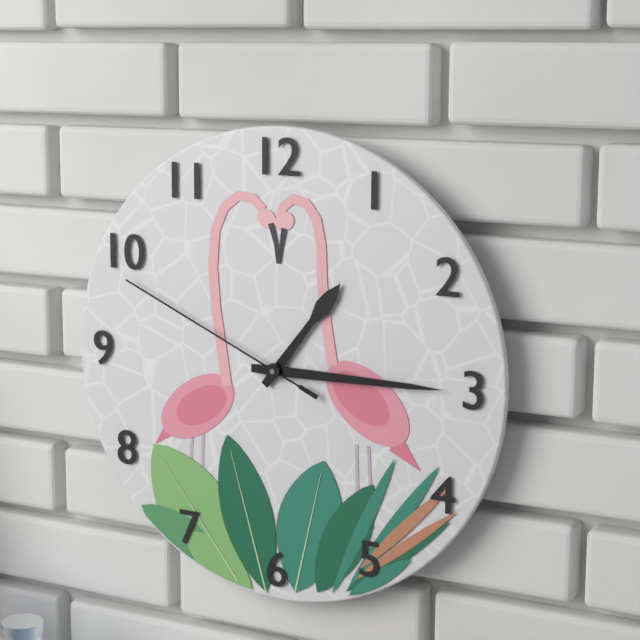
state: 1:15:49
